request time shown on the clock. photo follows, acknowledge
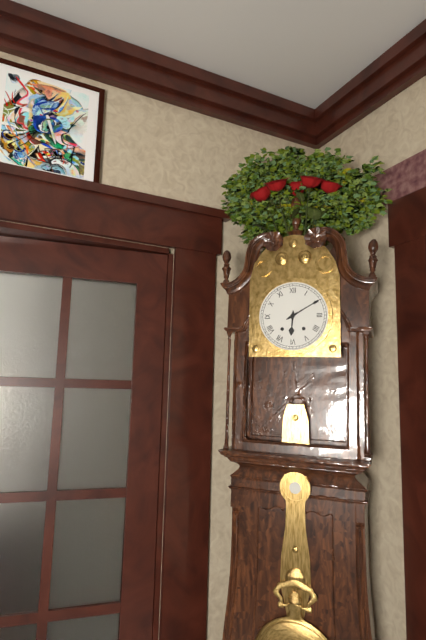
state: 6:10
